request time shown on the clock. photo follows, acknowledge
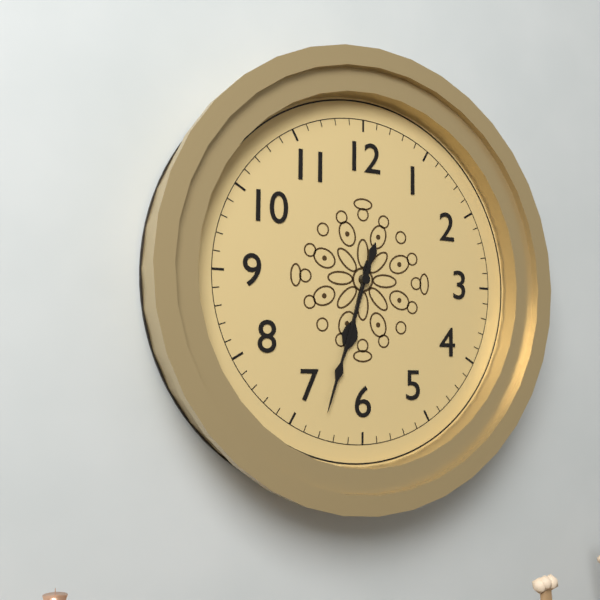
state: 6:33
